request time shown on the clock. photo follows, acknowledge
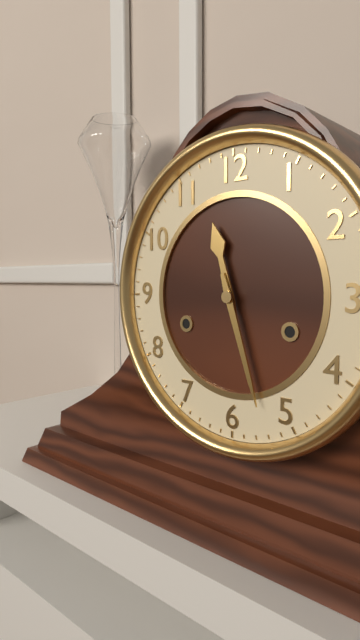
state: 11:27
